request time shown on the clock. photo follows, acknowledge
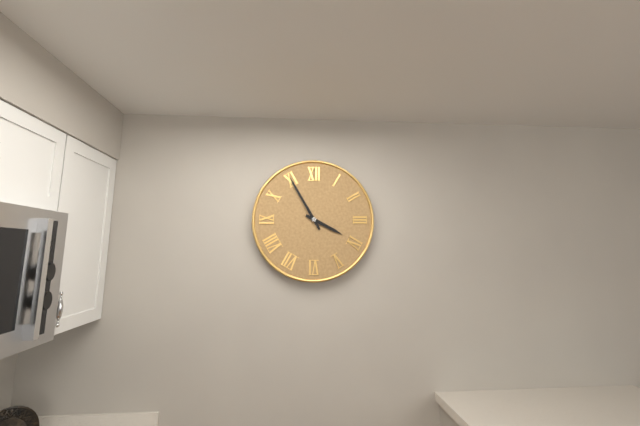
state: 3:55
